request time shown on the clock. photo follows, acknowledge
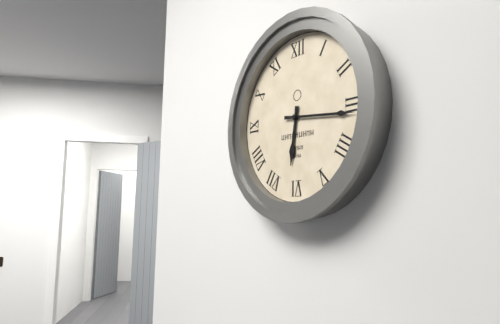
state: 6:16
